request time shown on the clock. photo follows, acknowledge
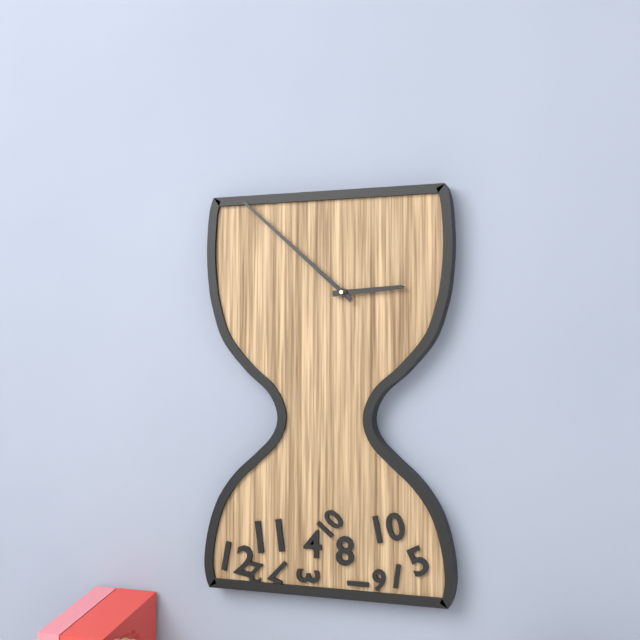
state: 2:52
